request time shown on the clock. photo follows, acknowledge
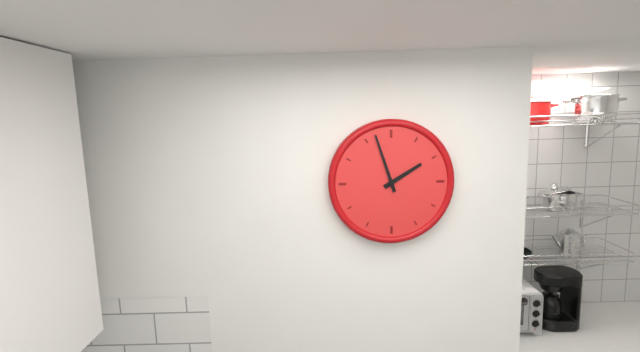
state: 1:57
